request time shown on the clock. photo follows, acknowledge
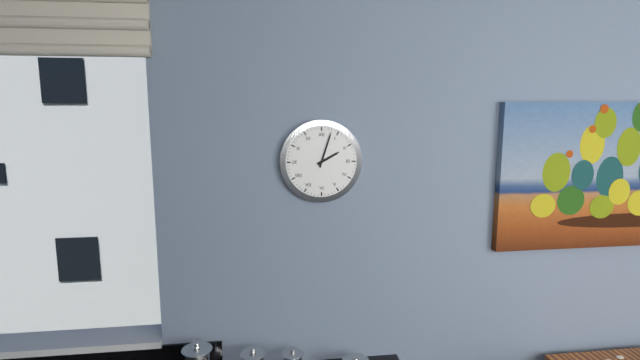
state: 2:03
